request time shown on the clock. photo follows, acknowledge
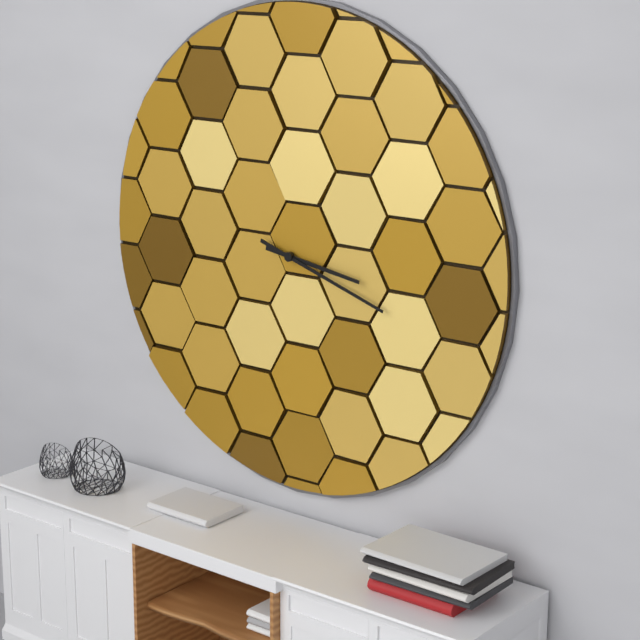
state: 3:18
